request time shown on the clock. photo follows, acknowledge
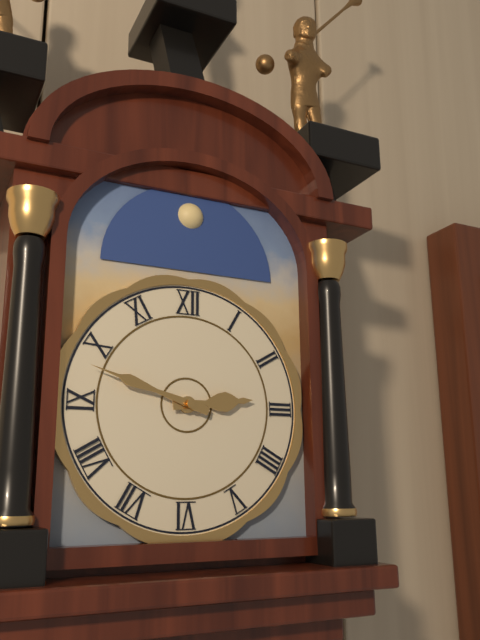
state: 2:48
